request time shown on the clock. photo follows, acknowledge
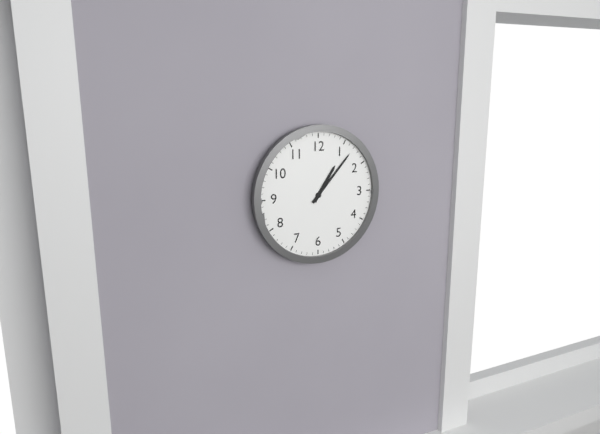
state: 1:07
